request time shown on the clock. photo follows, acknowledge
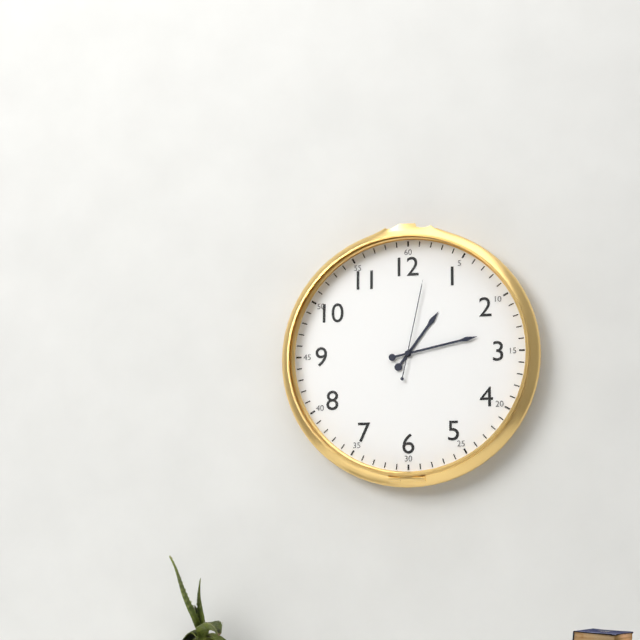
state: 1:13:02
